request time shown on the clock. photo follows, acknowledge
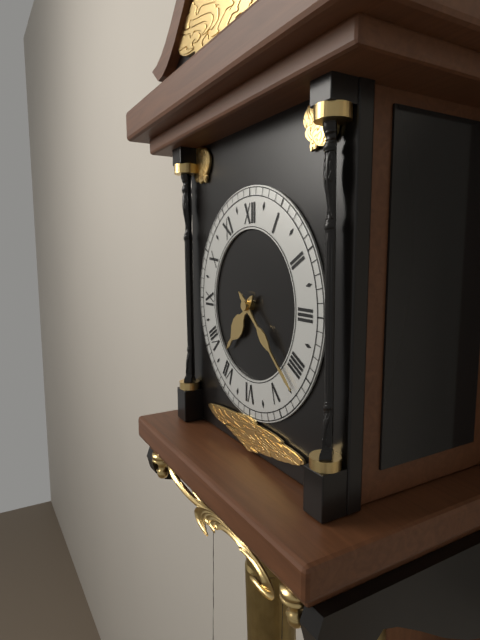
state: 7:22
